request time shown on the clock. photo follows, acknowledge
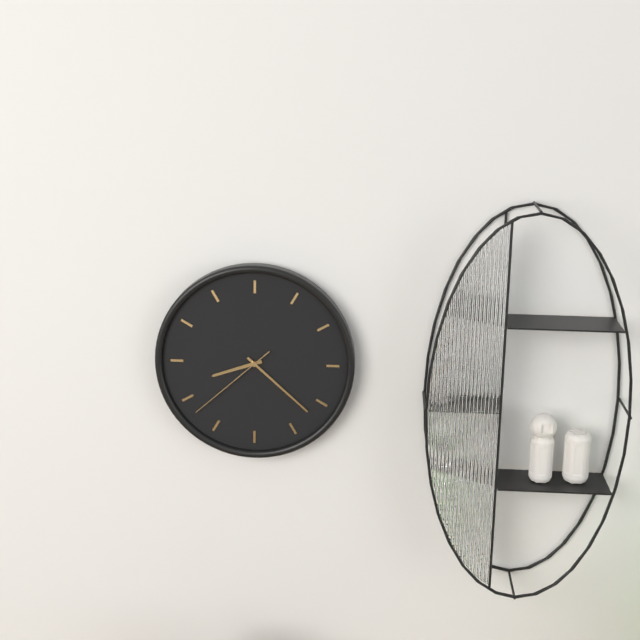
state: 8:22:38
